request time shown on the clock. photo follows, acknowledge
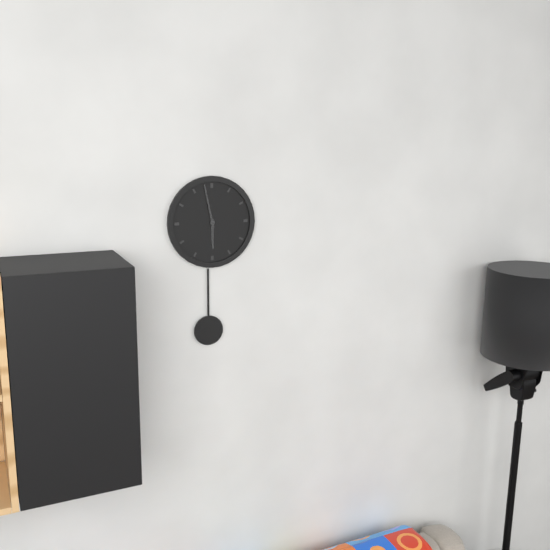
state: 5:58
